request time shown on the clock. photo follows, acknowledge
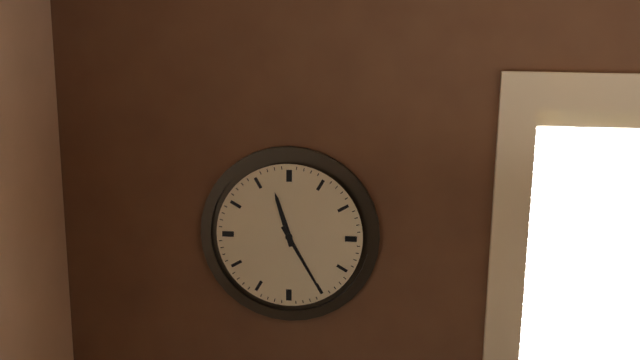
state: 11:25
